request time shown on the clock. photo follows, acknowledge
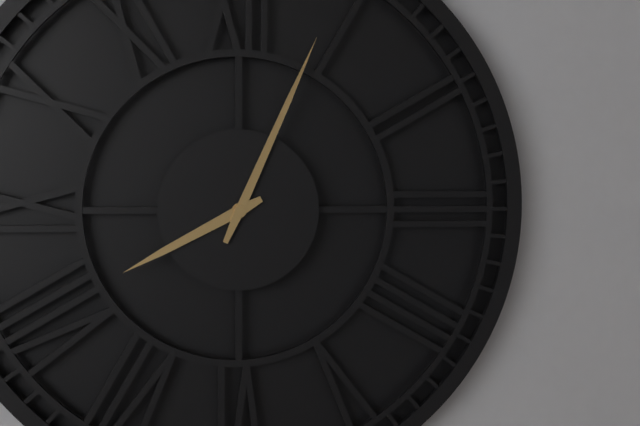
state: 8:04
